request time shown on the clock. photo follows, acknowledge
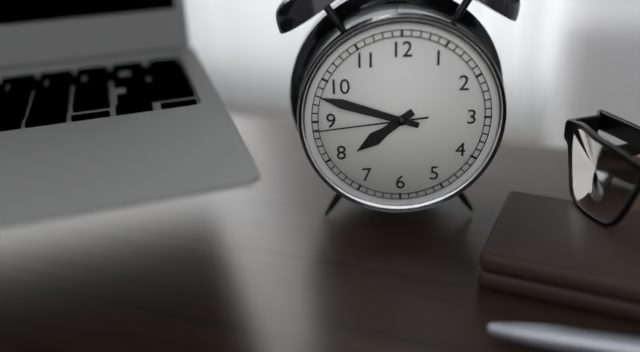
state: 7:48:44
